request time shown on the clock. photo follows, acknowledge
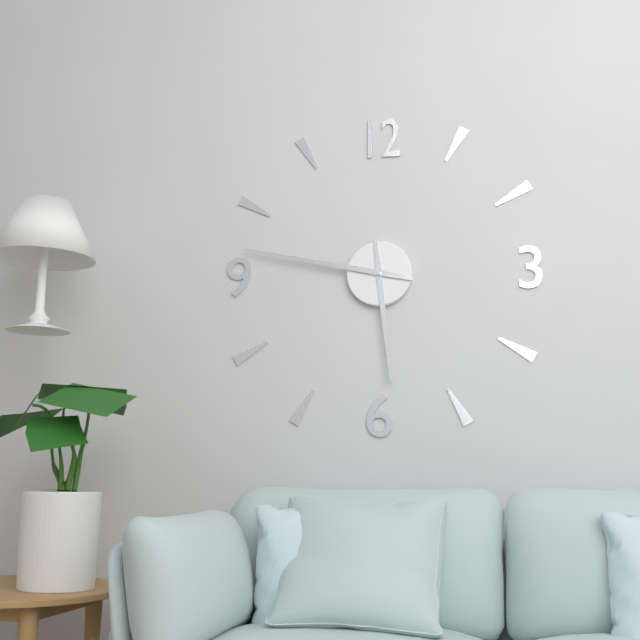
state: 5:47
